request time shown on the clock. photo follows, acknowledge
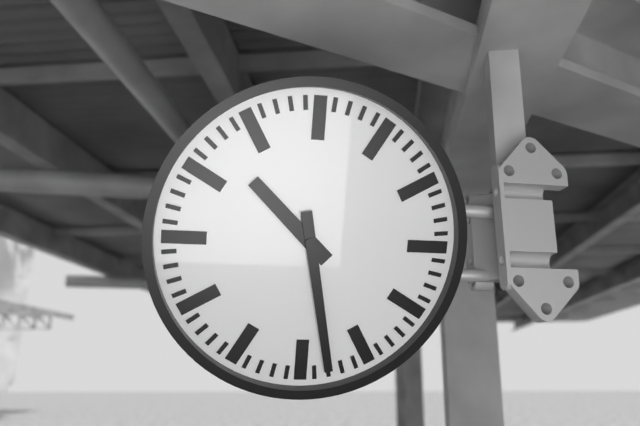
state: 10:28
